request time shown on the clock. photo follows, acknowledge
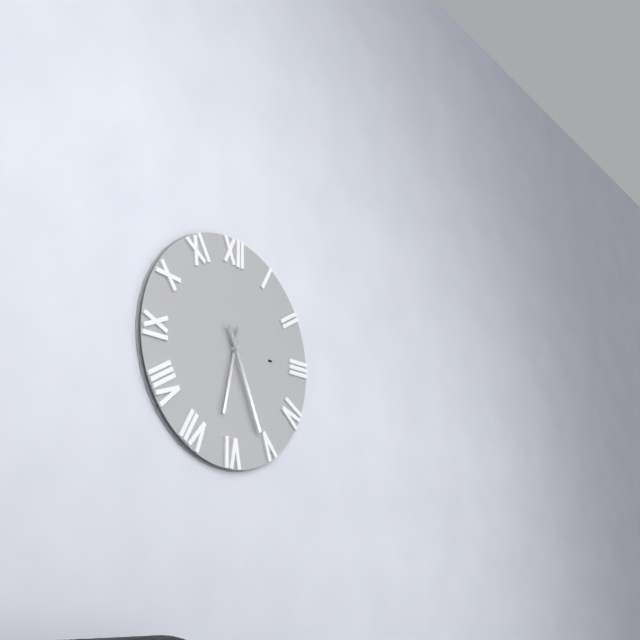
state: 6:26
